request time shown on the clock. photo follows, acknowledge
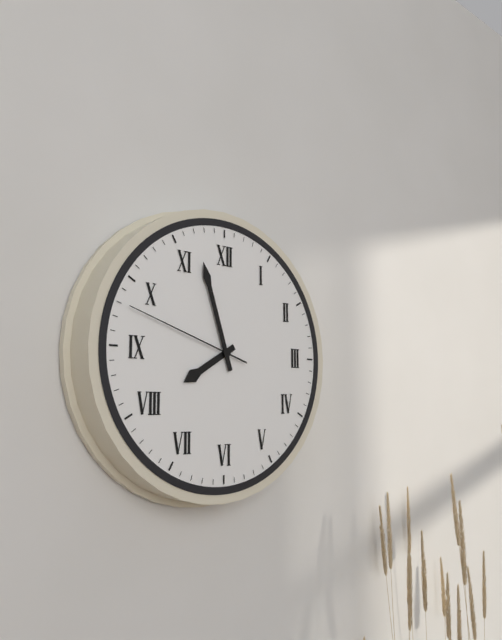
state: 7:57:48
